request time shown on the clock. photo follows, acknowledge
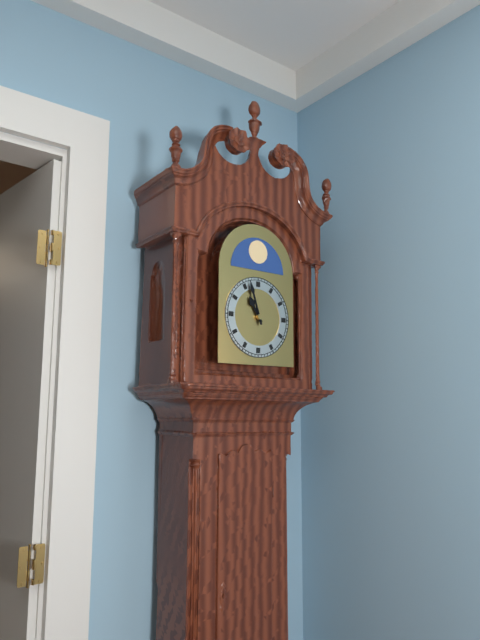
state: 10:57
